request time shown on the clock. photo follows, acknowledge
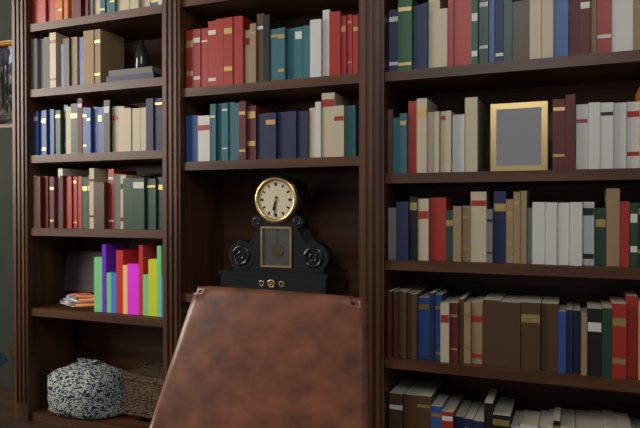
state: 6:31
